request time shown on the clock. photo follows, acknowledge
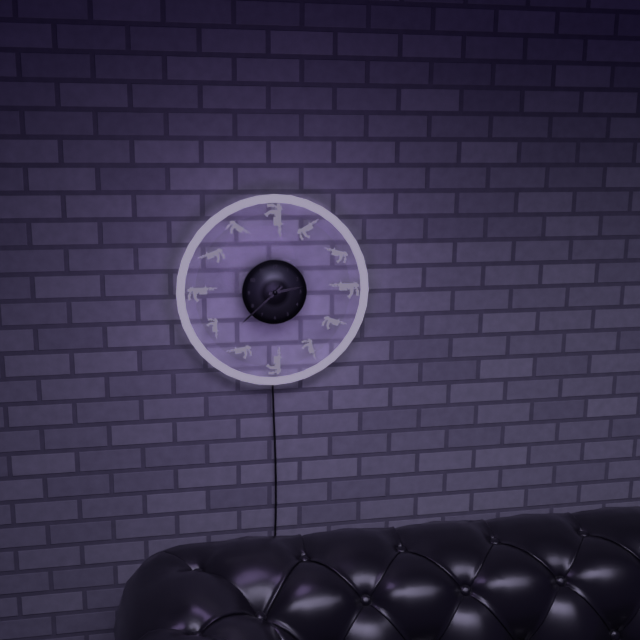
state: 2:38
